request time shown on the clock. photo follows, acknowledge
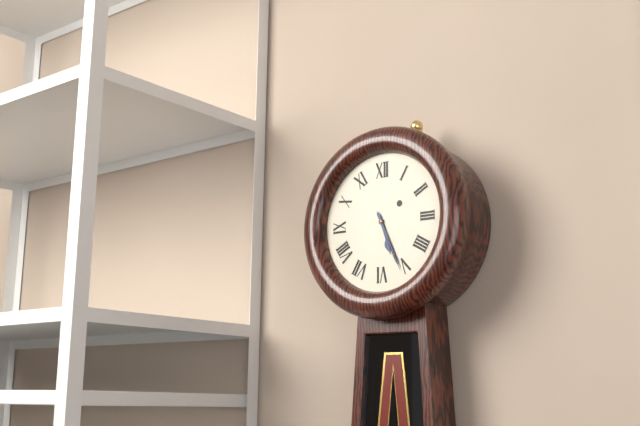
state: 5:26
